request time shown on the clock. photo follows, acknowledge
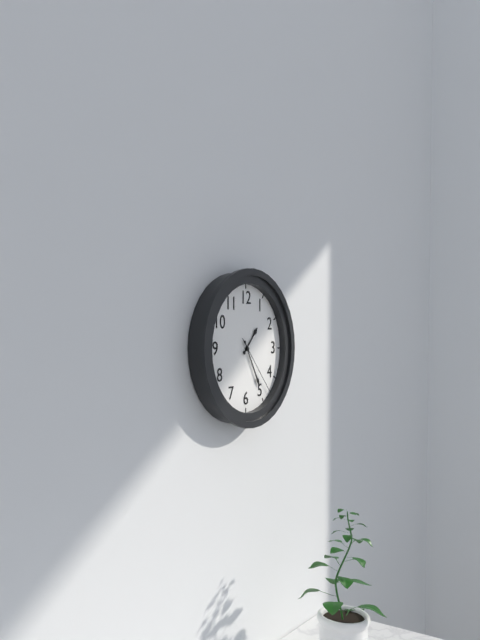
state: 1:25:23
